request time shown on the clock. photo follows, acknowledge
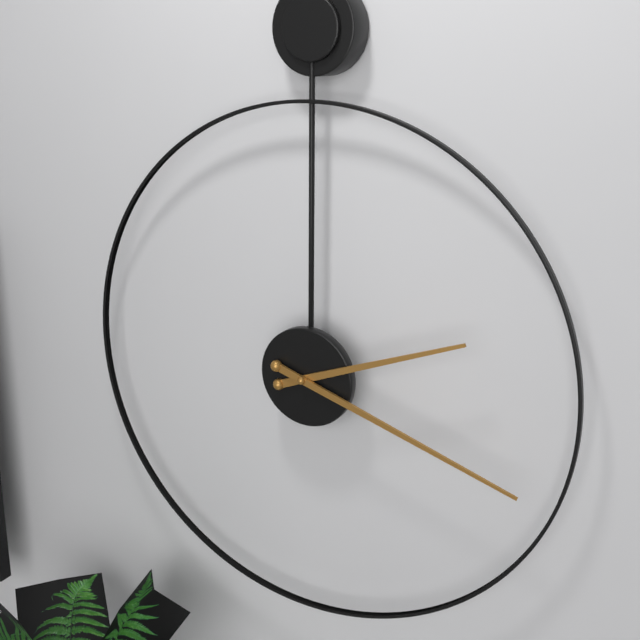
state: 2:18
